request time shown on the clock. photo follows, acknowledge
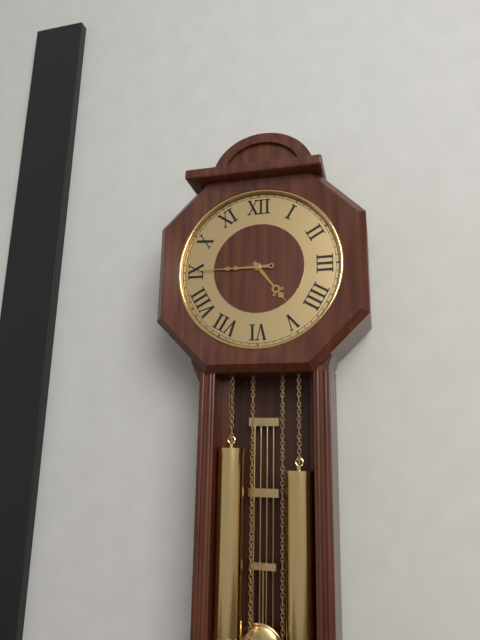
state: 4:45
